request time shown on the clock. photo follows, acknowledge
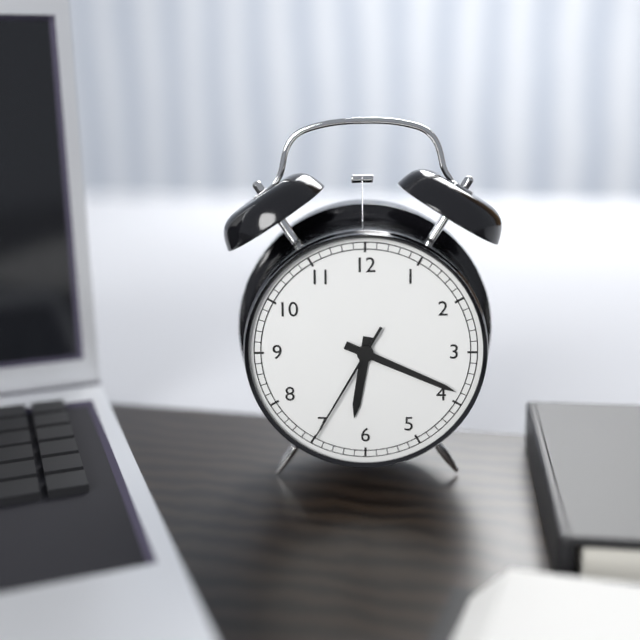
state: 6:19:35
